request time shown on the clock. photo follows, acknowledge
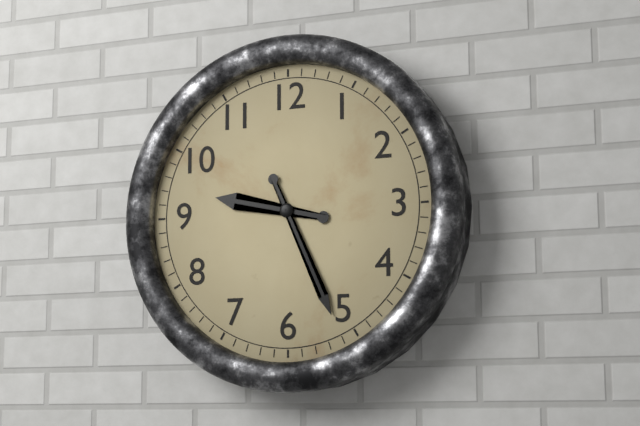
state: 9:26
